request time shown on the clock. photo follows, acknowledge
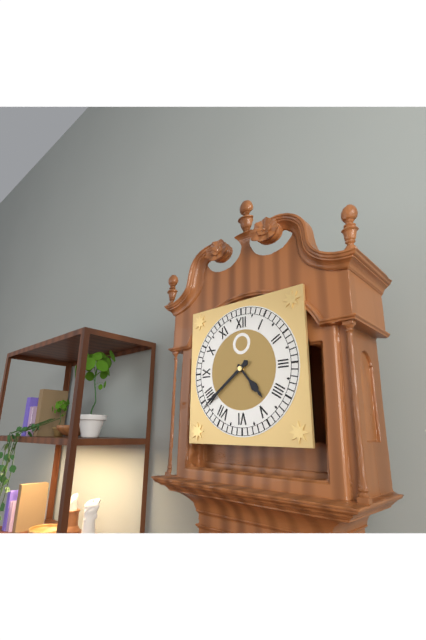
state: 4:39
